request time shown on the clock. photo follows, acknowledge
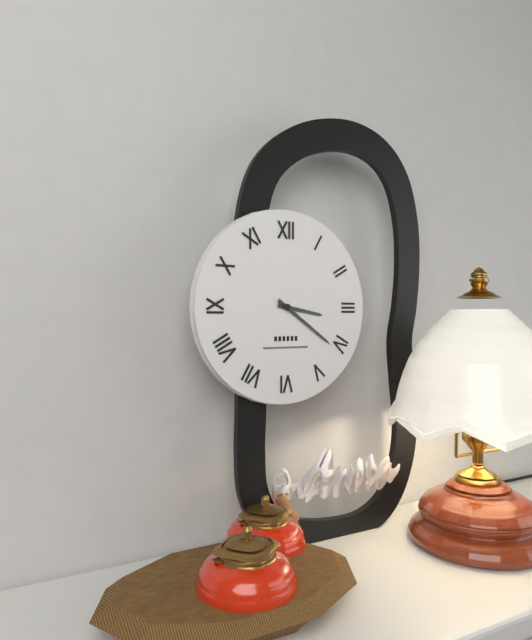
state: 3:21
